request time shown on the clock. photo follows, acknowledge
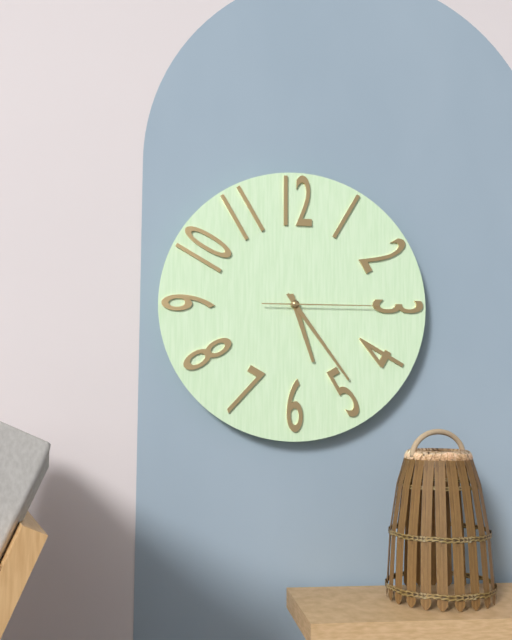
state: 5:24:15
